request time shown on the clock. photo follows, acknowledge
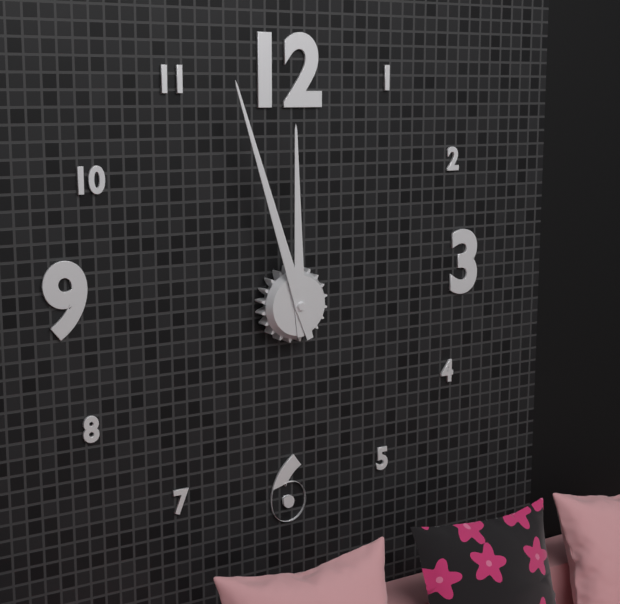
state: 11:57
